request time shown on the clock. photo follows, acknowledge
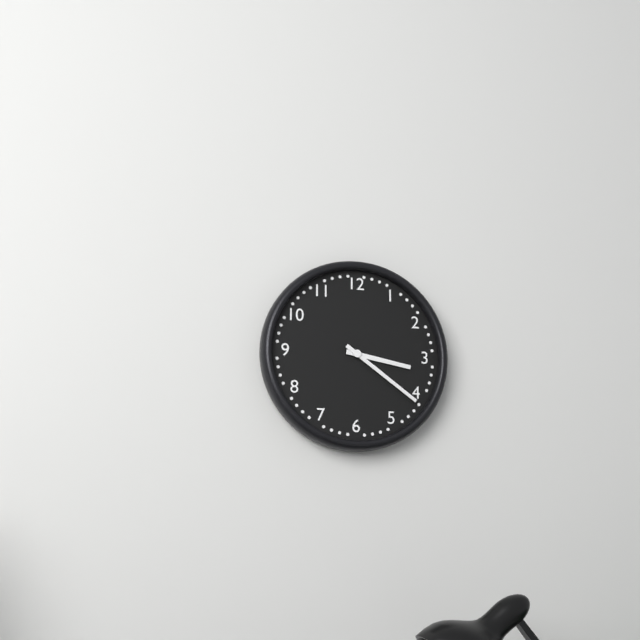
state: 3:21
